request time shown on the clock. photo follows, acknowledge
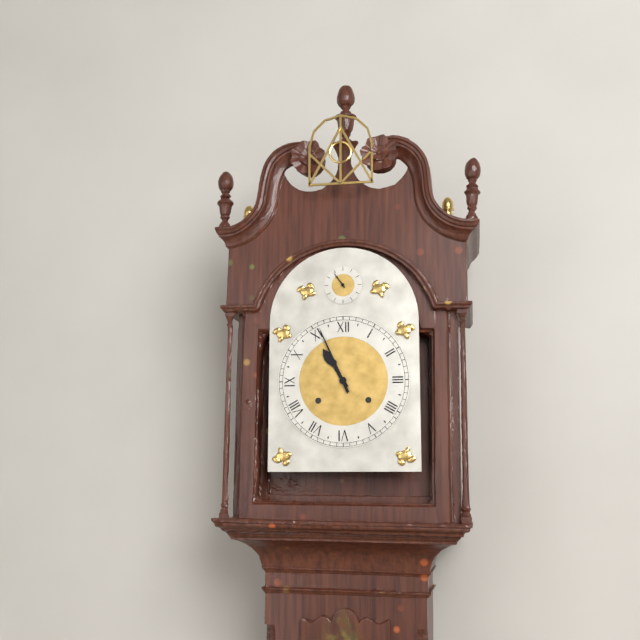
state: 10:56
